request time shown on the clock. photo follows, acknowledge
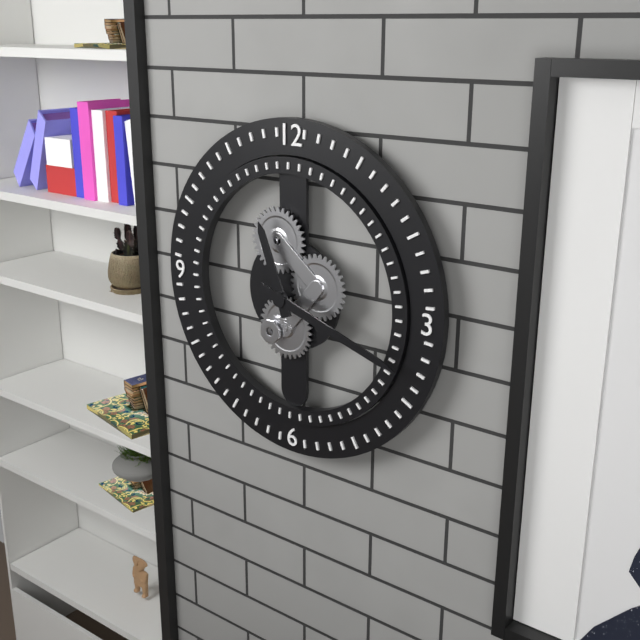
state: 11:18
